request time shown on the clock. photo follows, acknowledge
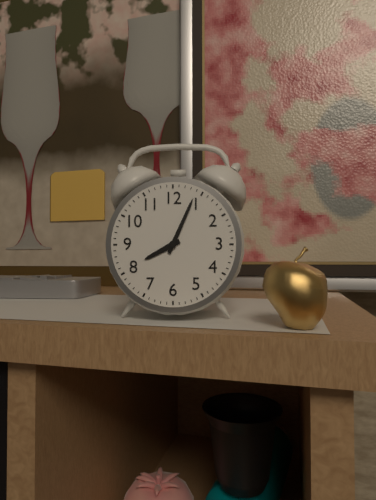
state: 8:04
